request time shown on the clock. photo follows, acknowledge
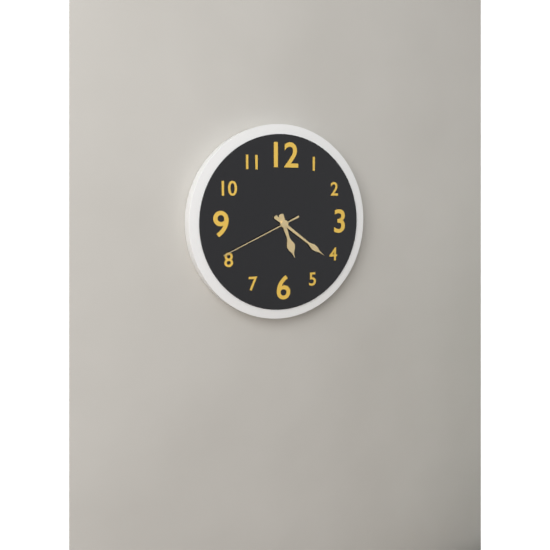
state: 5:21:41
